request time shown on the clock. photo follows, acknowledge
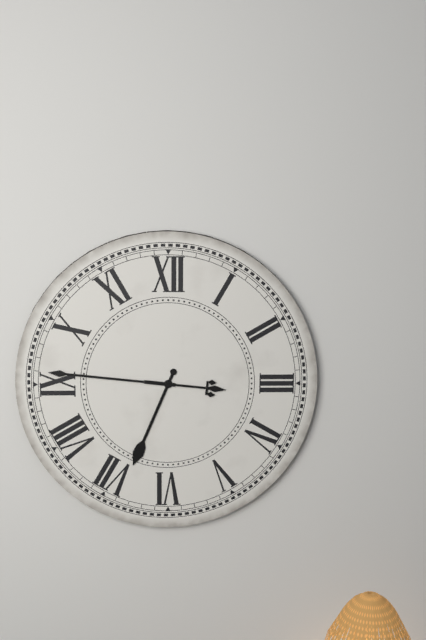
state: 6:46
